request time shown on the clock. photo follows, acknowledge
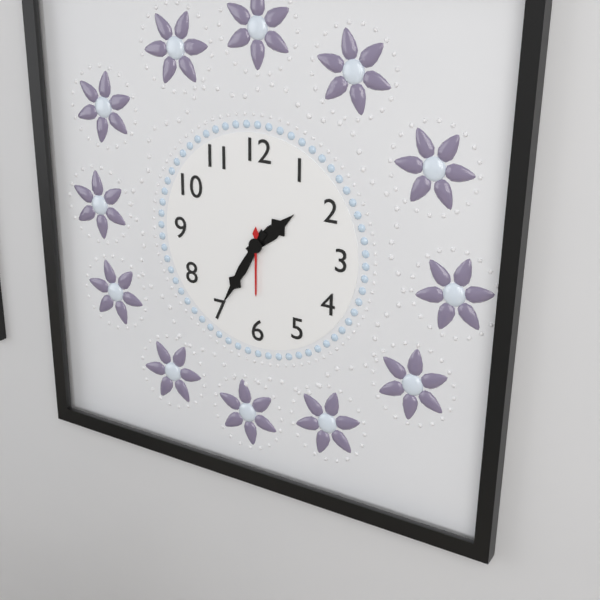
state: 1:35:30
